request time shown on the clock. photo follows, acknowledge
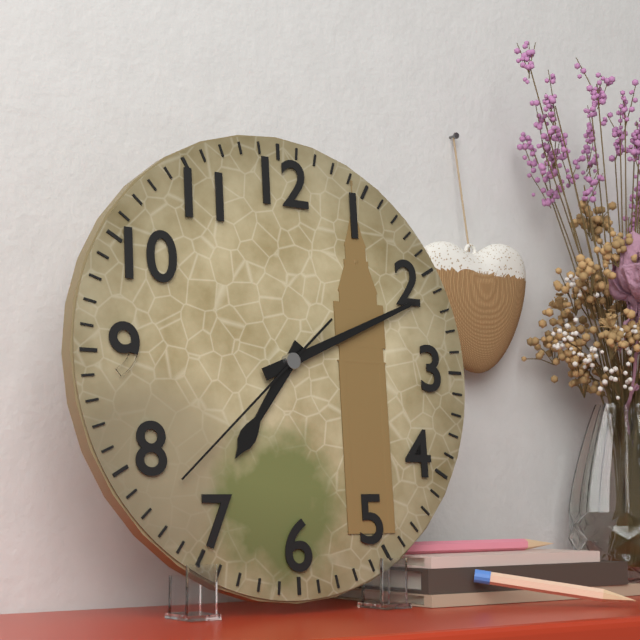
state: 7:11:38
